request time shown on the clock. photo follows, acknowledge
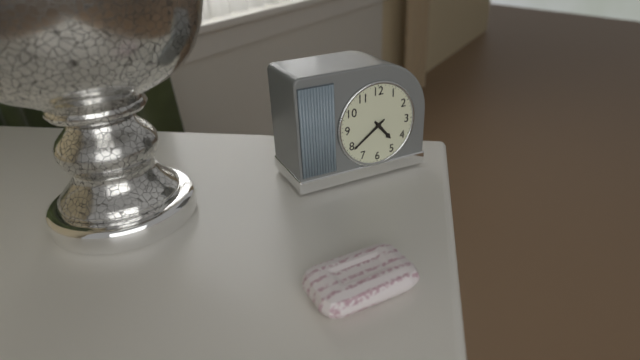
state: 4:39
